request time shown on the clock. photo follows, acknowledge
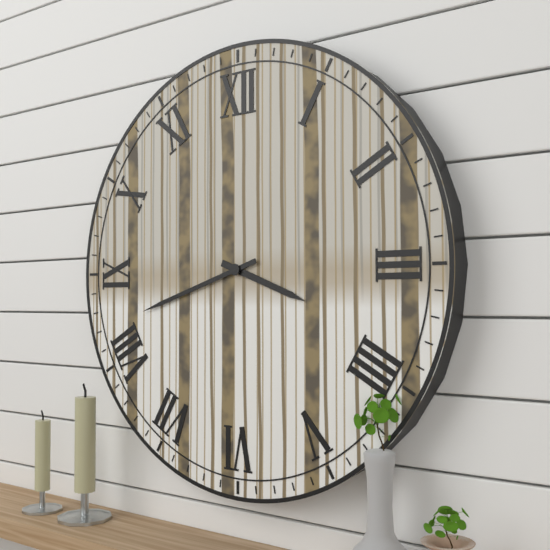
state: 3:42
